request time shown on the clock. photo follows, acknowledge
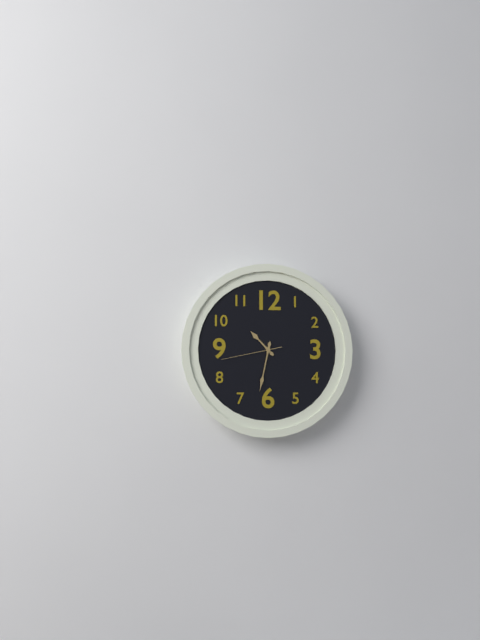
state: 10:32:43
